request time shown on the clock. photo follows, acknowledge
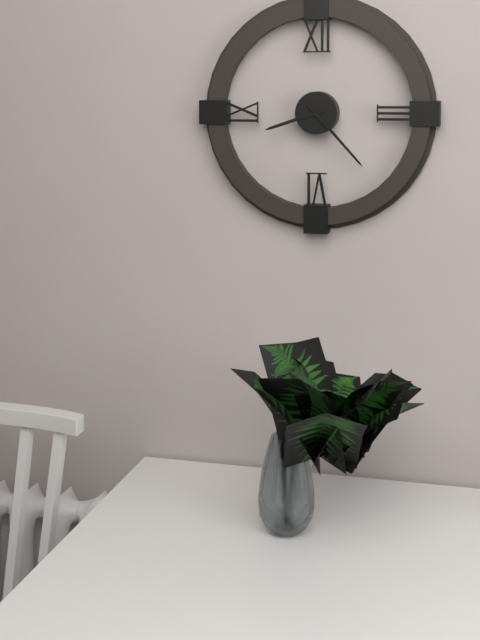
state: 8:23
